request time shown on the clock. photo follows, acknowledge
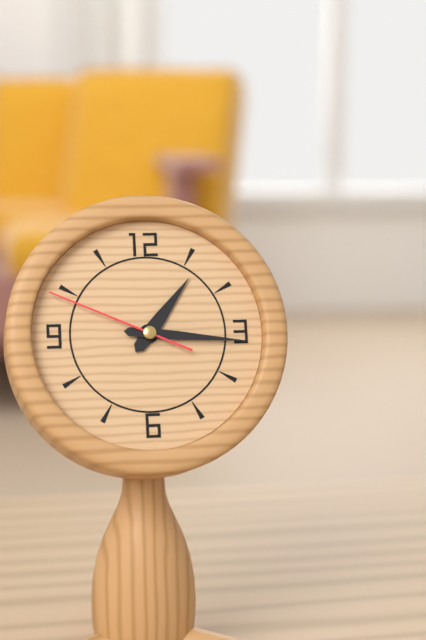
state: 1:16:49
